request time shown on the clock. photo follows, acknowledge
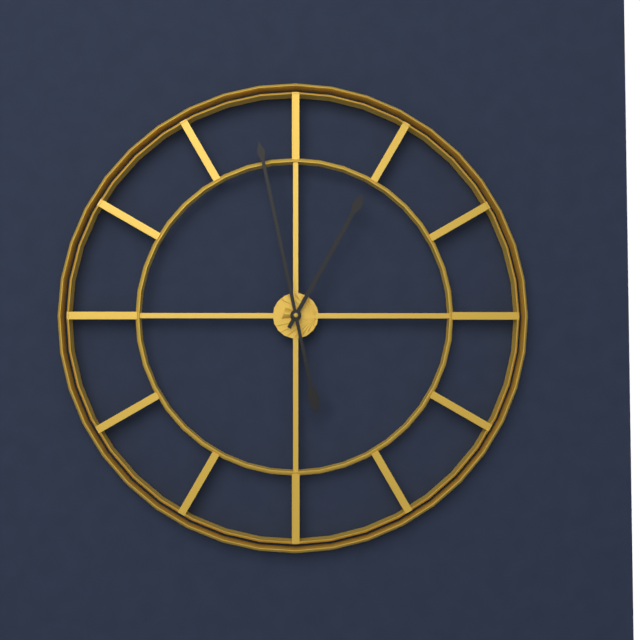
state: 12:58
